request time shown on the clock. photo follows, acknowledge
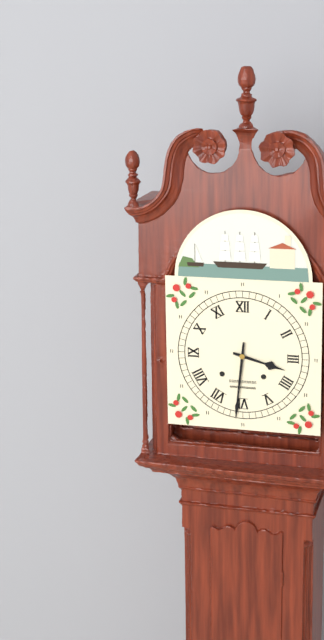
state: 3:31
